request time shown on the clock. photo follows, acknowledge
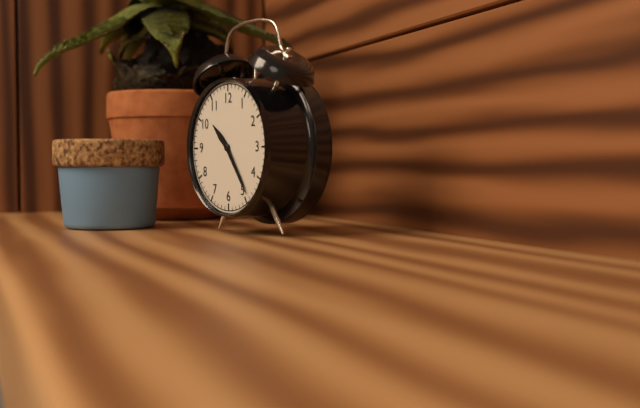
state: 10:24
